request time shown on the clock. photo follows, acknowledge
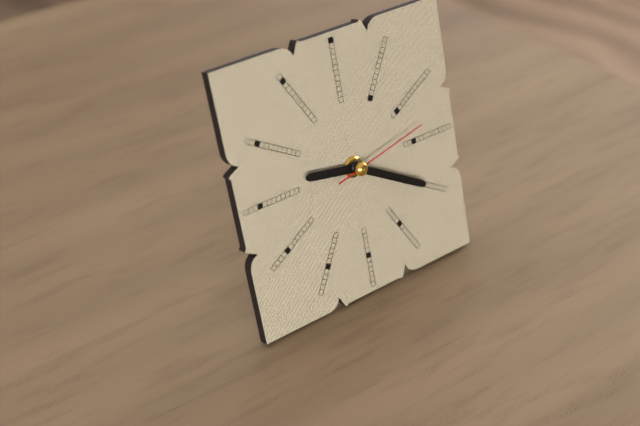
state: 9:20:13
